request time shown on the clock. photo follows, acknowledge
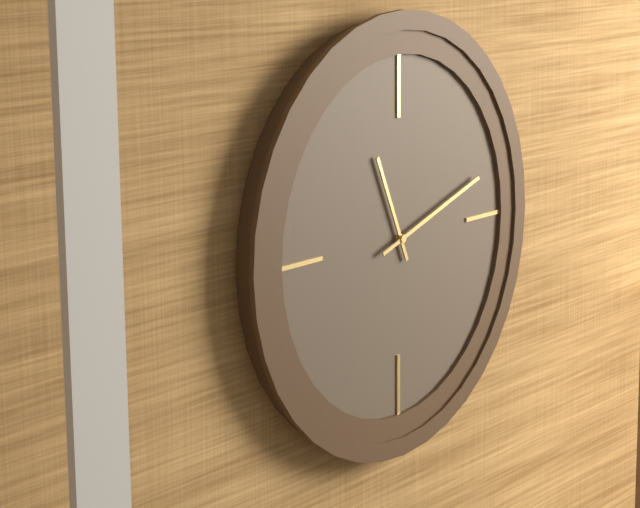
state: 11:12
